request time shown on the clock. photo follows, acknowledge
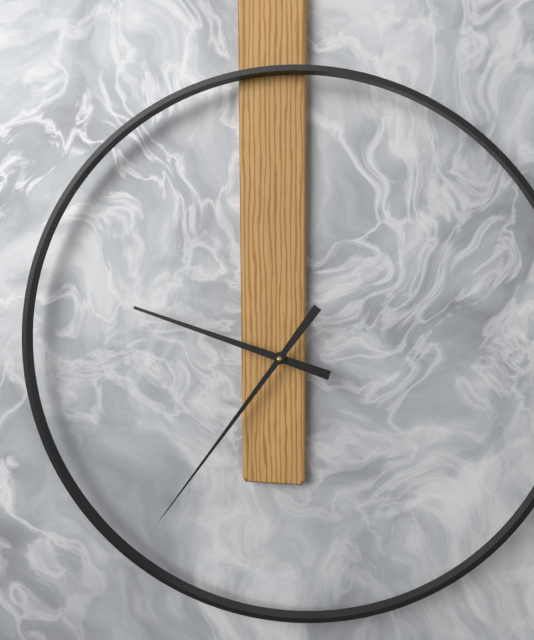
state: 9:36
